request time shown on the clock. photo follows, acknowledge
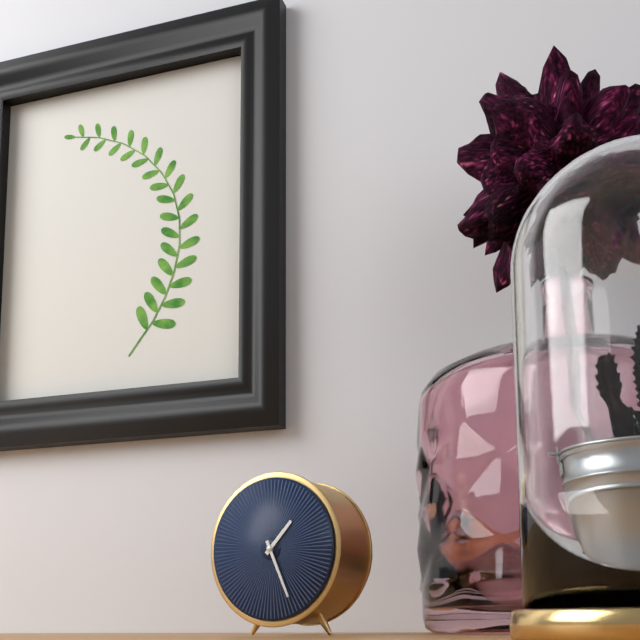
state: 1:26
